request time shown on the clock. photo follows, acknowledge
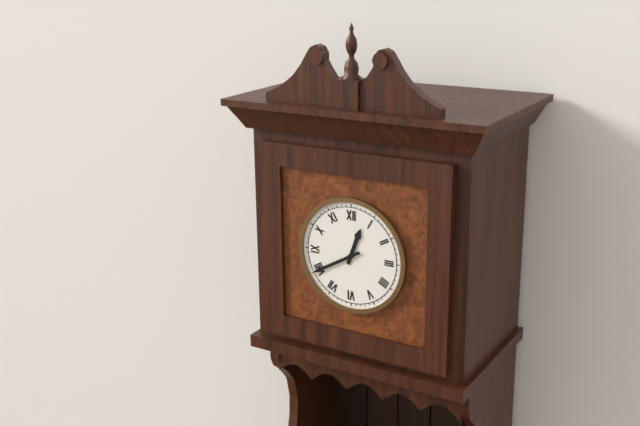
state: 12:40
